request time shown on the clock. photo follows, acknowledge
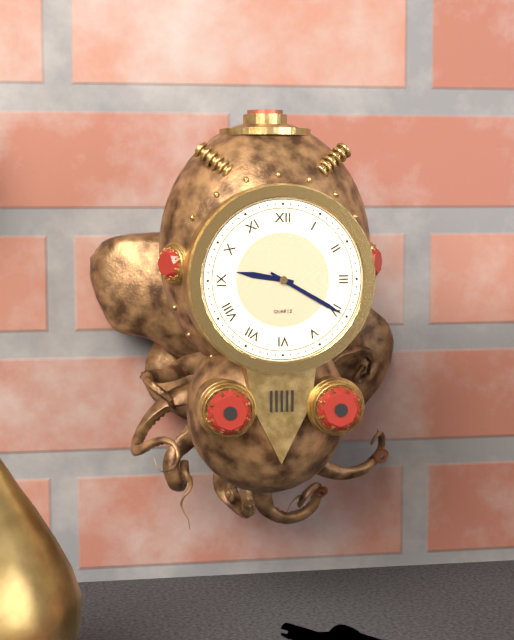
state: 9:20
